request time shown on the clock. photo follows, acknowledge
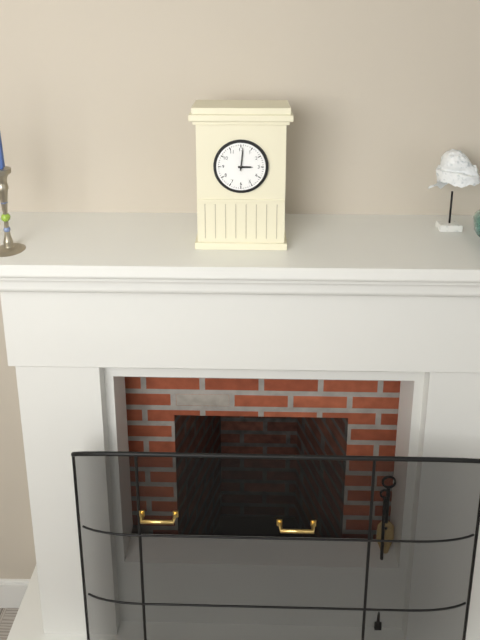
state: 3:01
